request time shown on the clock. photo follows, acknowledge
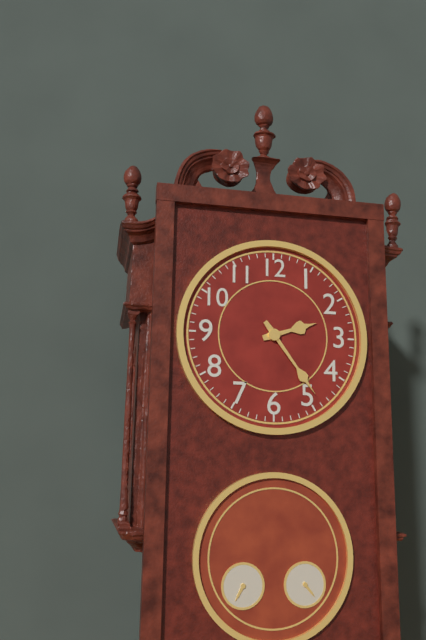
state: 2:24
